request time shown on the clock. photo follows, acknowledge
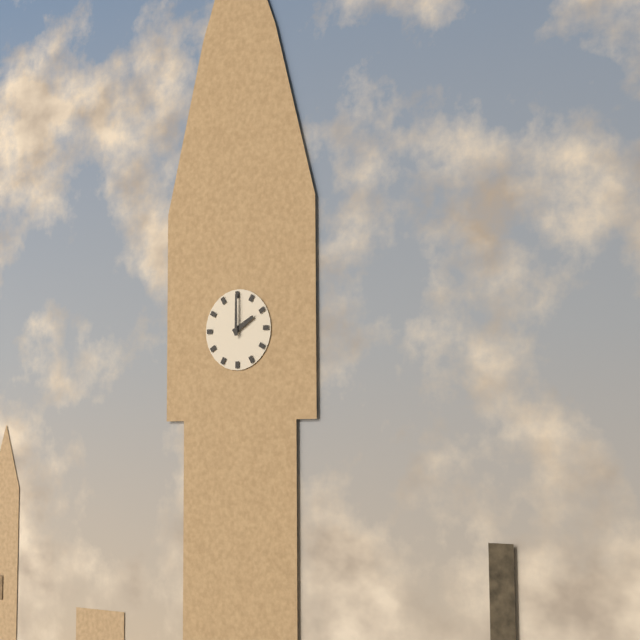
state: 2:00
